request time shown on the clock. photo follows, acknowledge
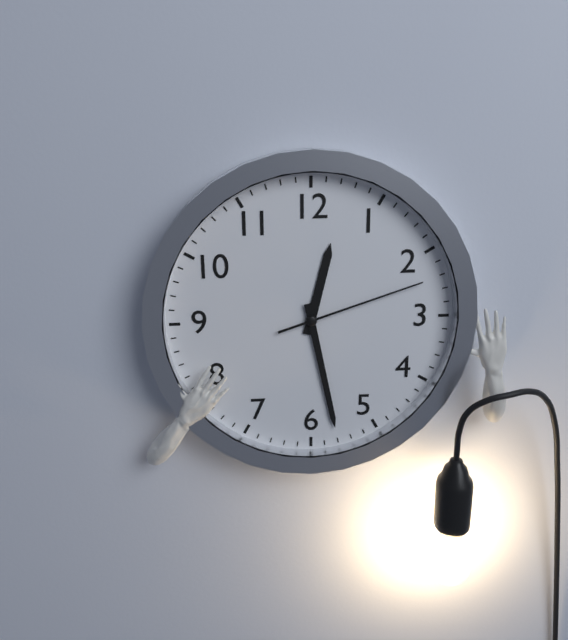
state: 12:28:12
